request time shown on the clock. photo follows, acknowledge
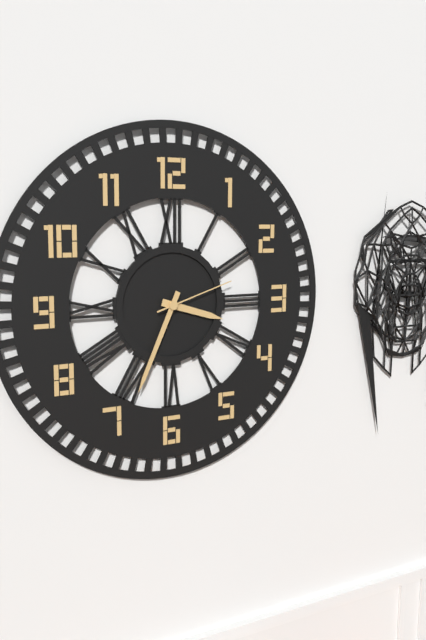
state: 3:34:12
